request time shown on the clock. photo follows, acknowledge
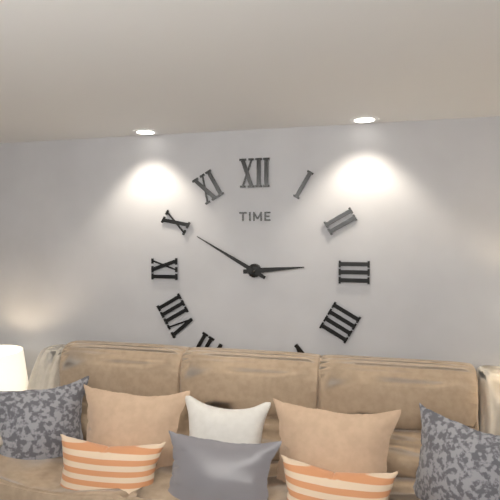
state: 2:50
